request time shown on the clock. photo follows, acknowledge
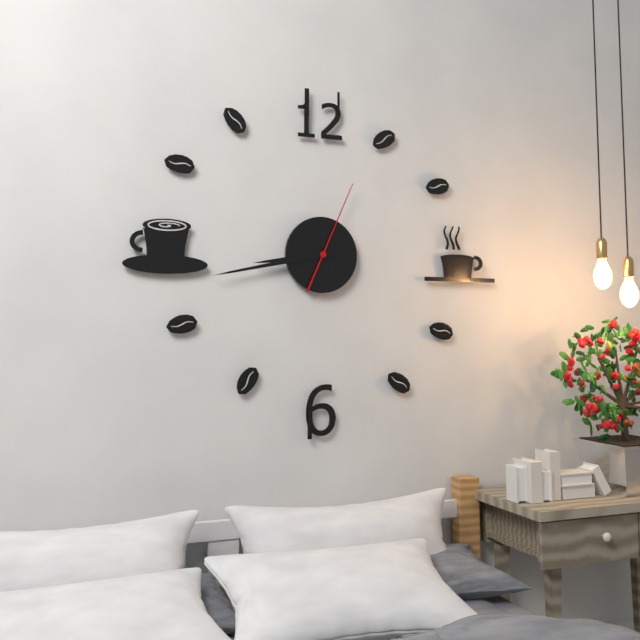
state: 8:43:04
